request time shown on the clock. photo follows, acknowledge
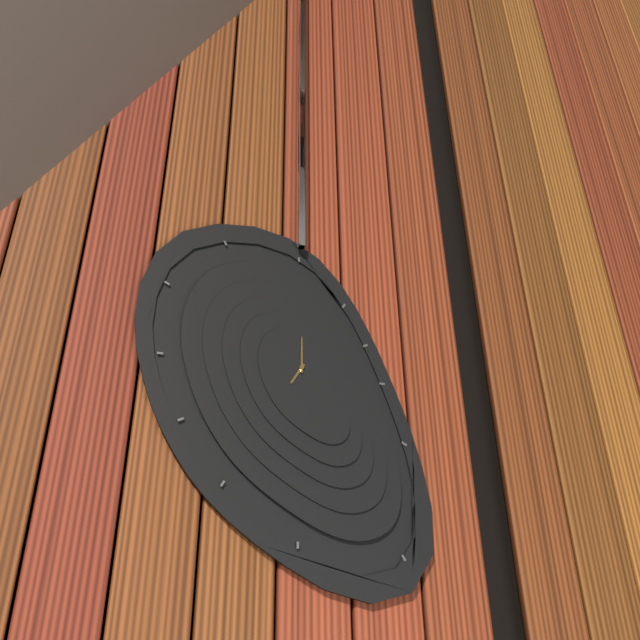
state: 7:00
